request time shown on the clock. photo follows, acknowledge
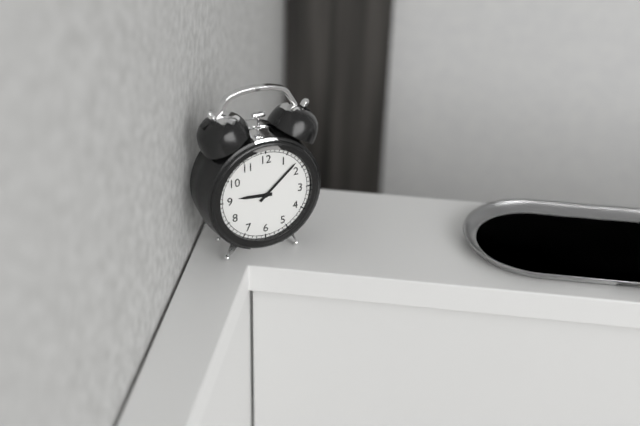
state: 9:08
